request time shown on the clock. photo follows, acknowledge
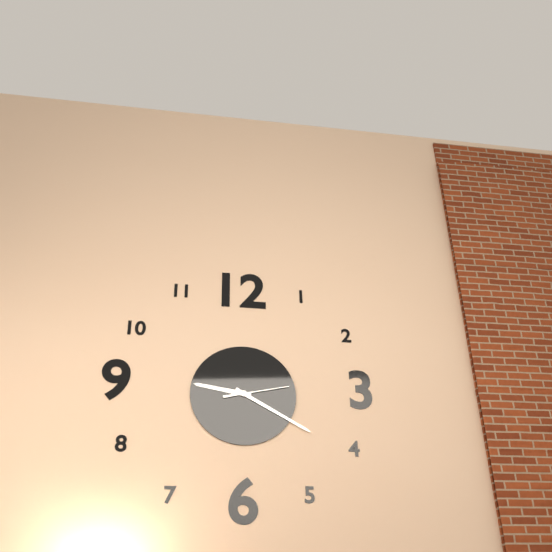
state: 9:20:13
